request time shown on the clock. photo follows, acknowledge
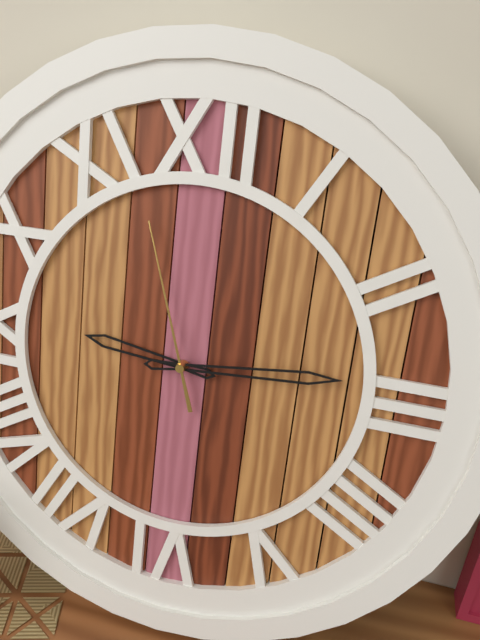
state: 9:14:57
